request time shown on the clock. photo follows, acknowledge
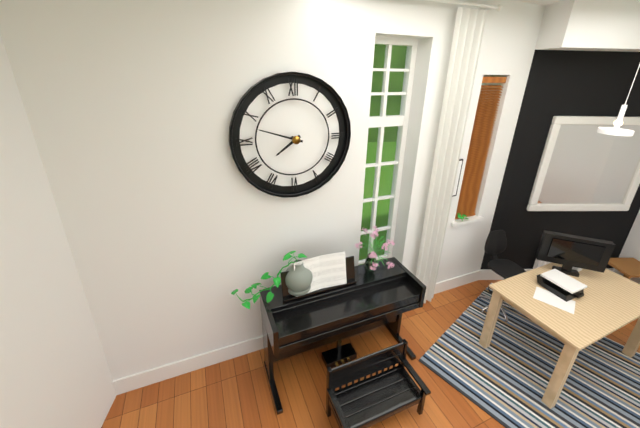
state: 7:48
